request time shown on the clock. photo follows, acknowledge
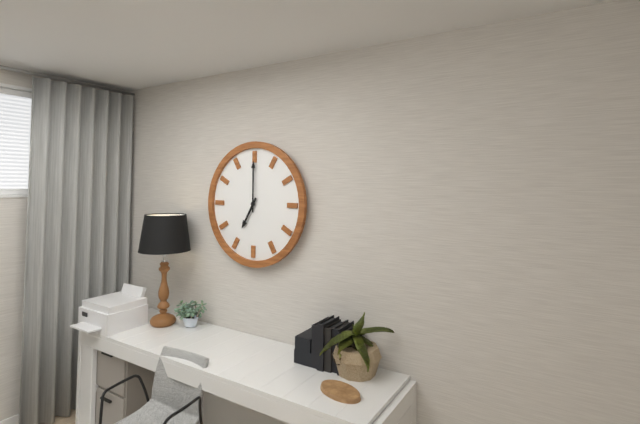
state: 7:00
